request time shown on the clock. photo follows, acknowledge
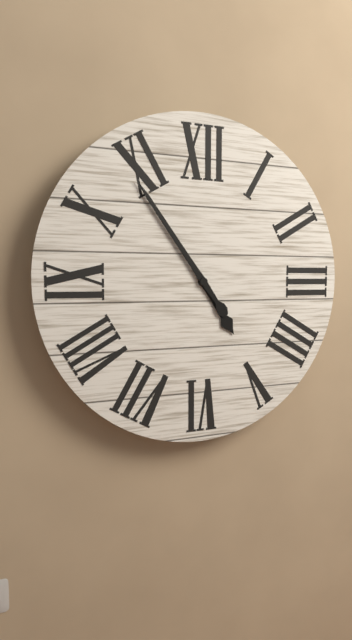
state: 4:54
